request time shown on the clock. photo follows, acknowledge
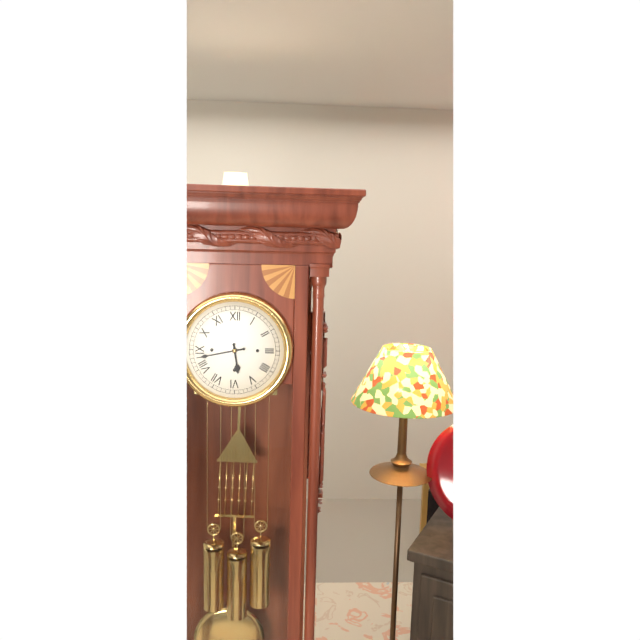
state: 5:43
